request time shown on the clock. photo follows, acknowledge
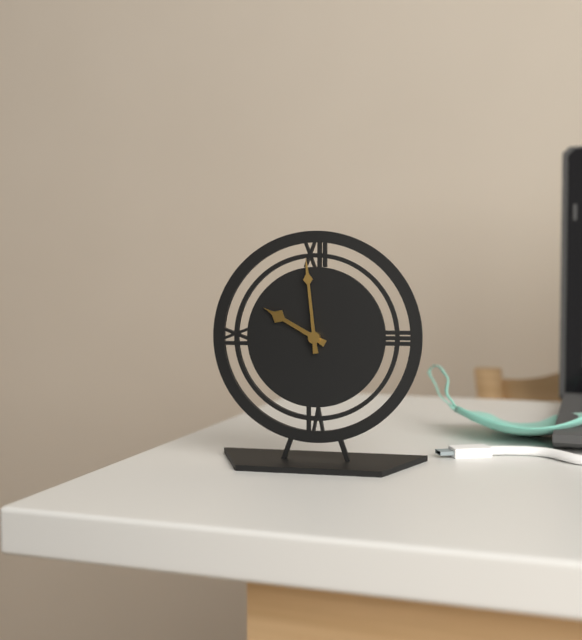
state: 9:59
